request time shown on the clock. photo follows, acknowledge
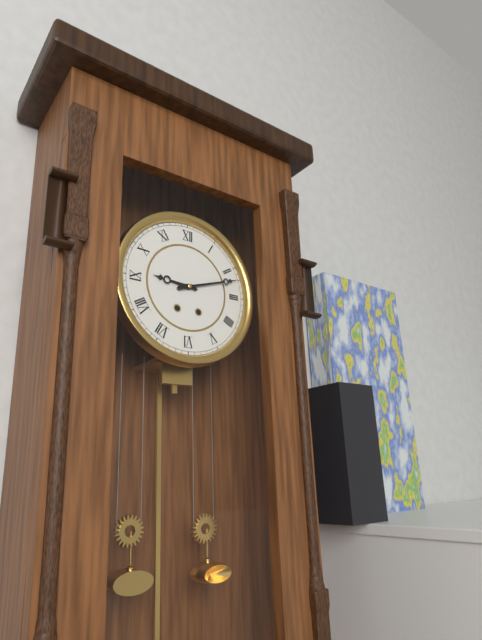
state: 9:12
